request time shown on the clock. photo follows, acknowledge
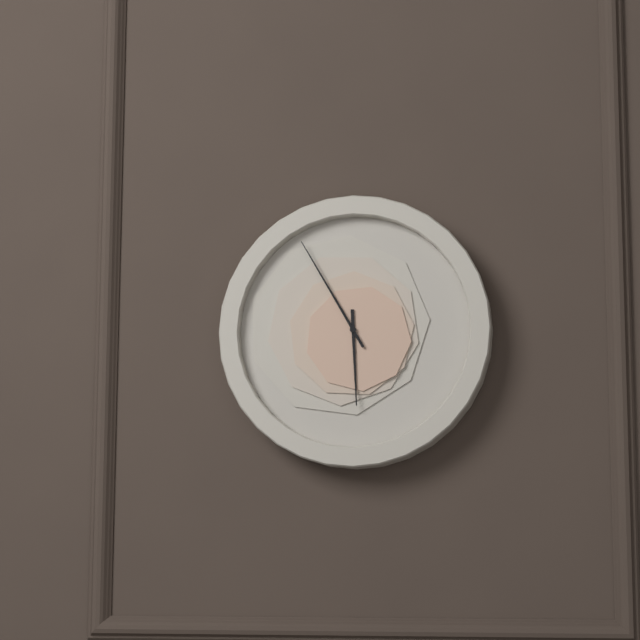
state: 5:55
